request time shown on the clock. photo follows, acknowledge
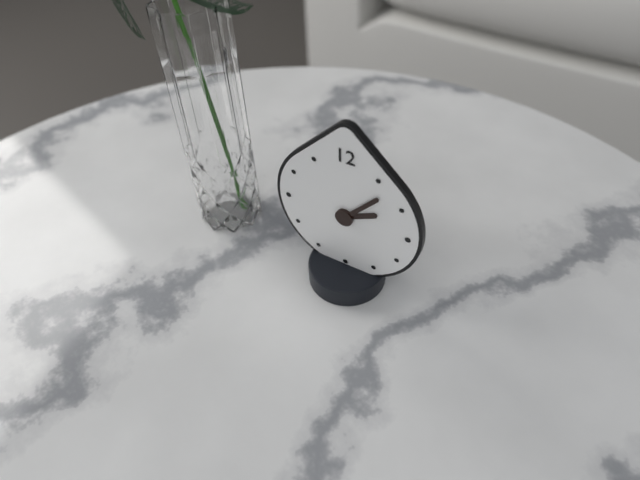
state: 2:07
